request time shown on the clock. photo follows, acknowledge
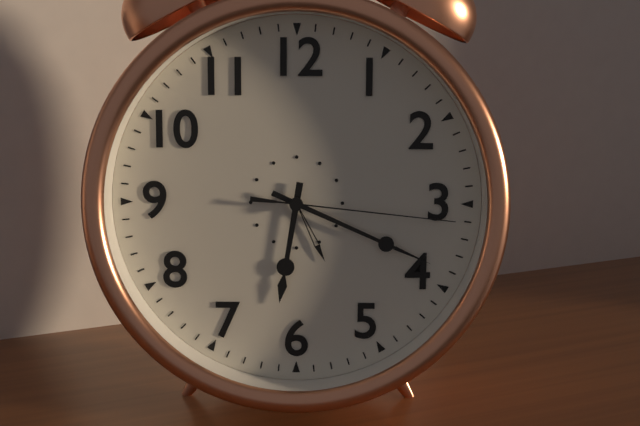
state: 6:19:16
